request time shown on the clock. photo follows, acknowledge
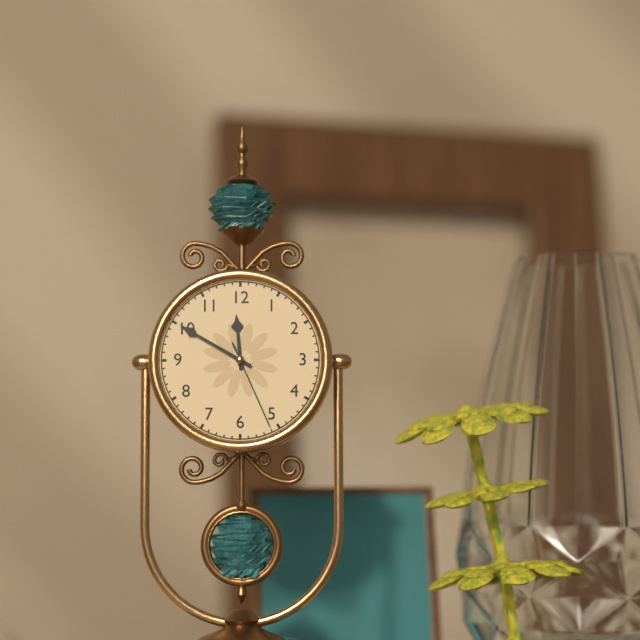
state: 11:50:26
